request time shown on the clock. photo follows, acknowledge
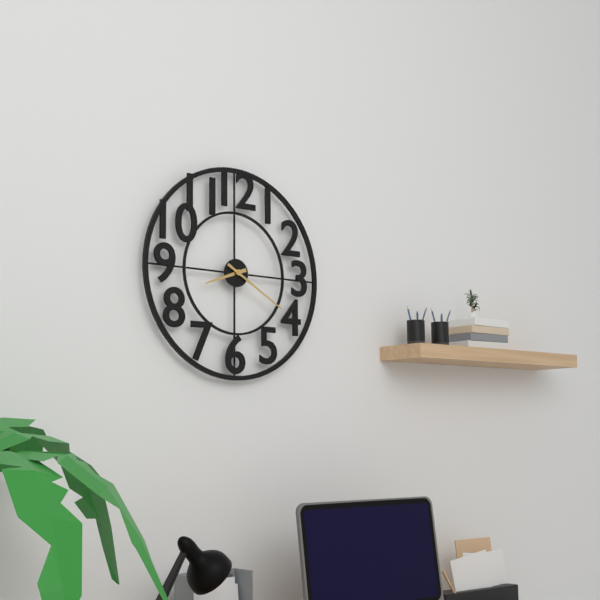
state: 8:20
